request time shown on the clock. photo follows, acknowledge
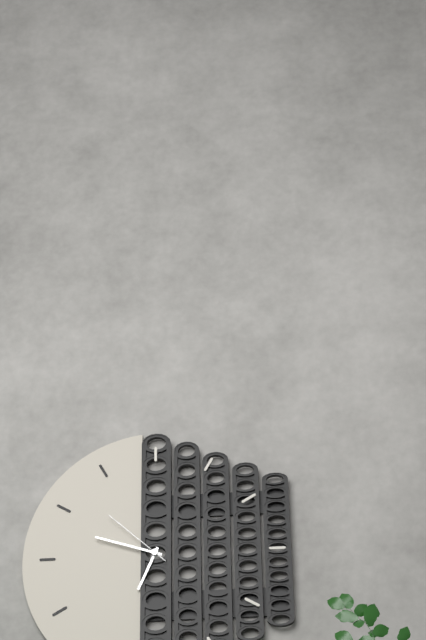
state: 6:48:52
